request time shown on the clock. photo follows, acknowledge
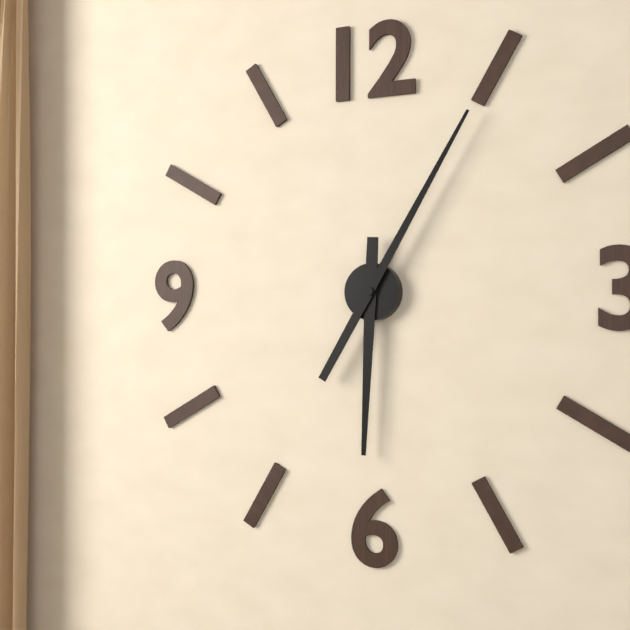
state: 6:05
